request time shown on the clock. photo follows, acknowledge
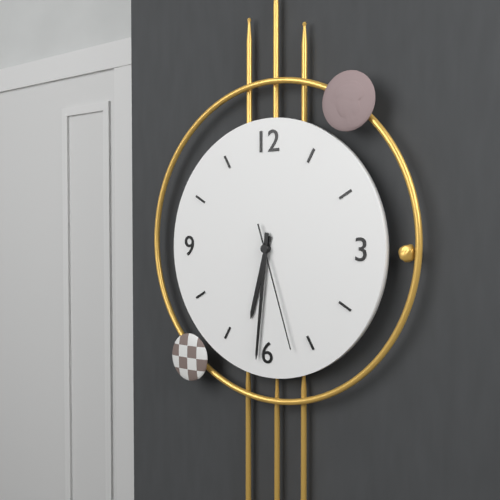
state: 6:31:27
